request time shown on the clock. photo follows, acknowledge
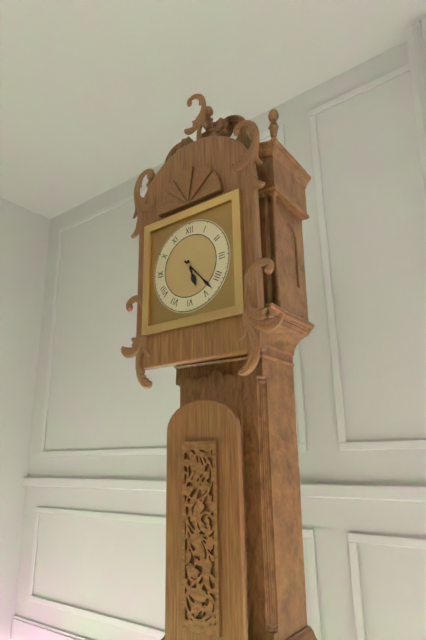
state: 5:23
